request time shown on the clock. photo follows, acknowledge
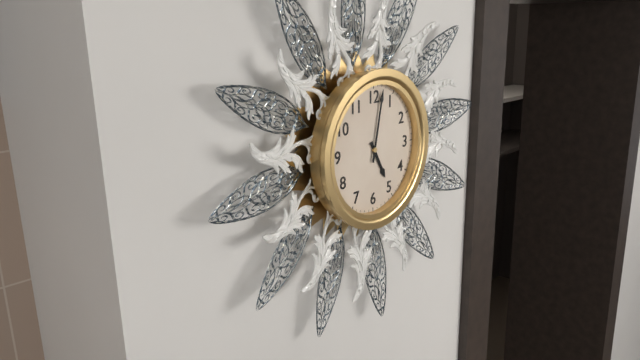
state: 5:02
